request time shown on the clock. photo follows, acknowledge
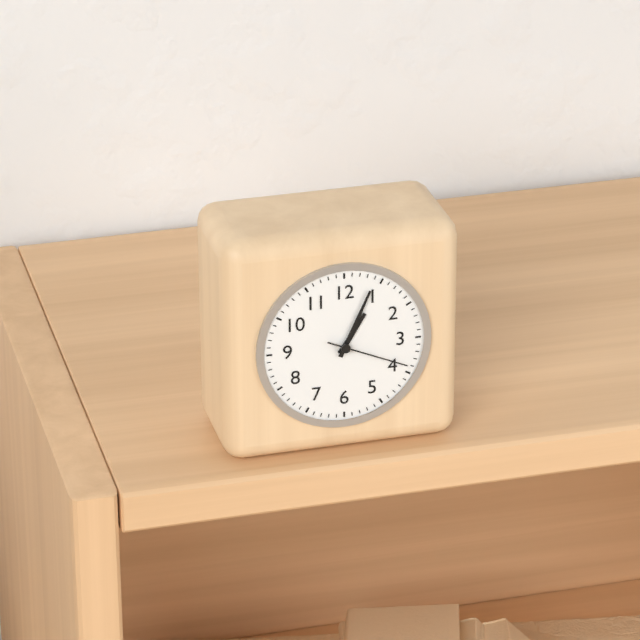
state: 1:04:19
